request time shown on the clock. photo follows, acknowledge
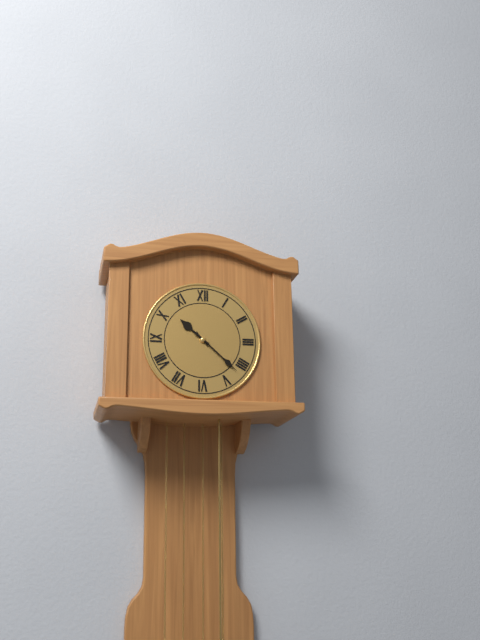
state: 10:22
